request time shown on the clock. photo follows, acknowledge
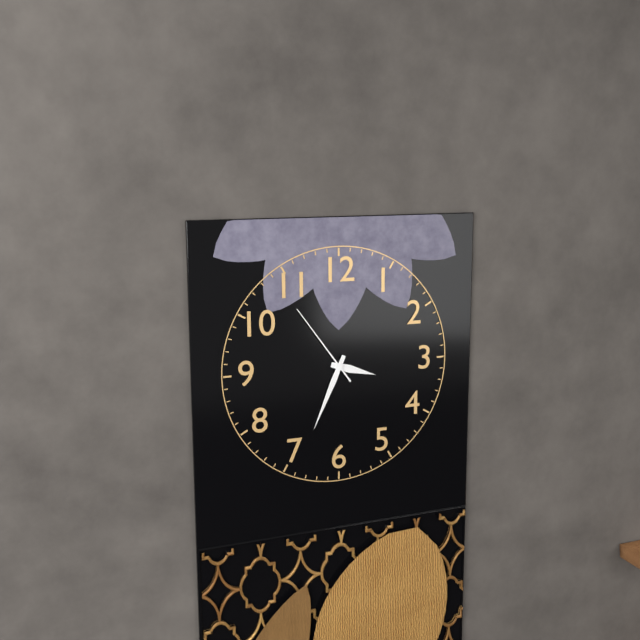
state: 3:34:54
